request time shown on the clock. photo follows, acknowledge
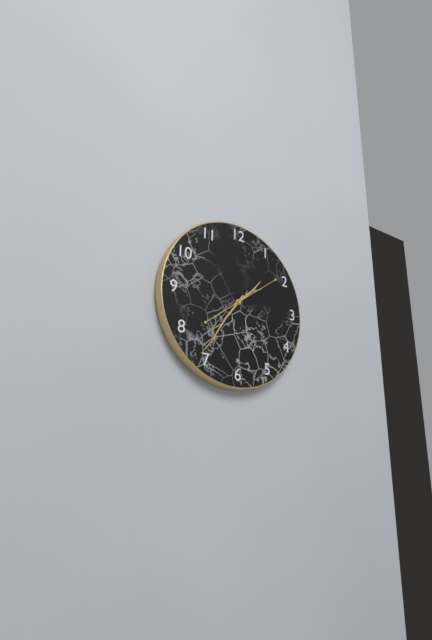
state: 1:36:09
